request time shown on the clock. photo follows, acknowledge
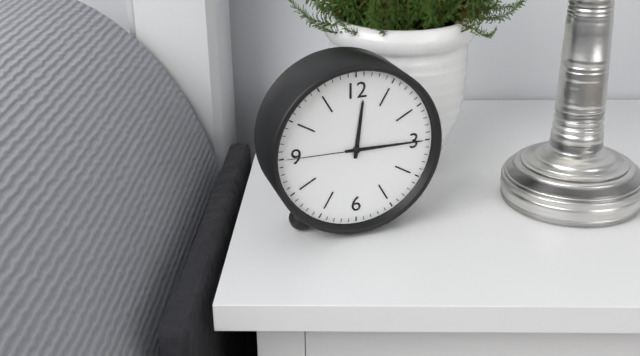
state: 12:15:45
